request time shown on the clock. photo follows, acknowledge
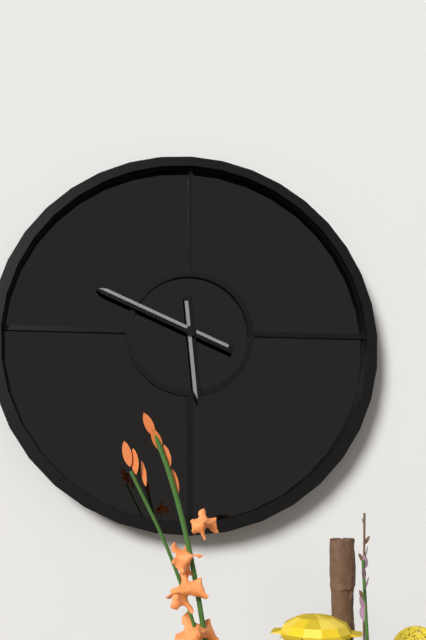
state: 5:49
